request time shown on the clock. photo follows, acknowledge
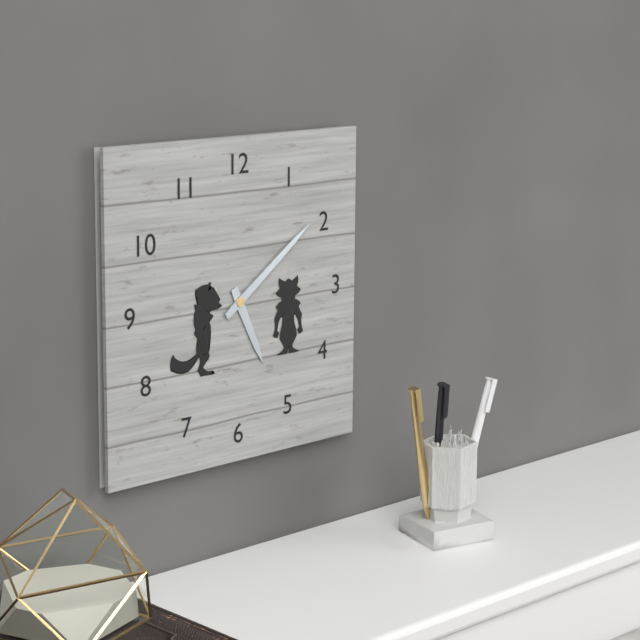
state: 5:09
